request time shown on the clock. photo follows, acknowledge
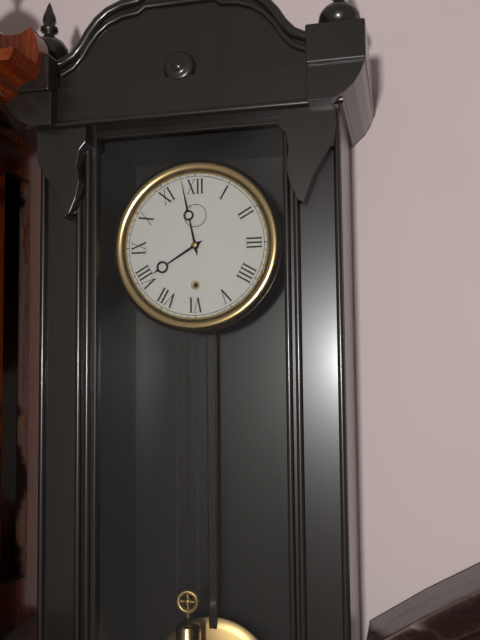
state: 7:58
